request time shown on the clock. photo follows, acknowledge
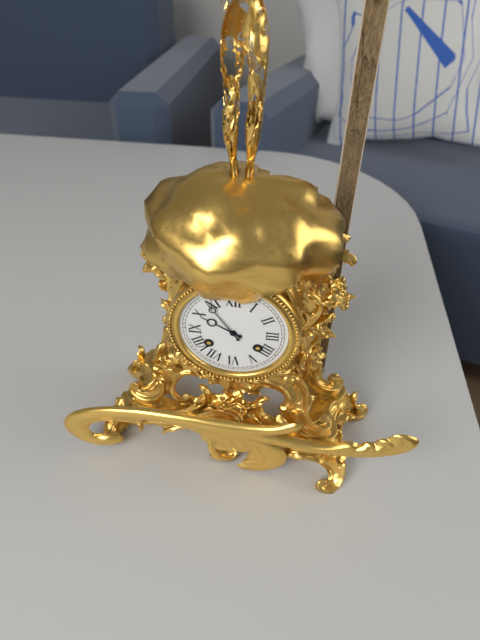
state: 9:54
